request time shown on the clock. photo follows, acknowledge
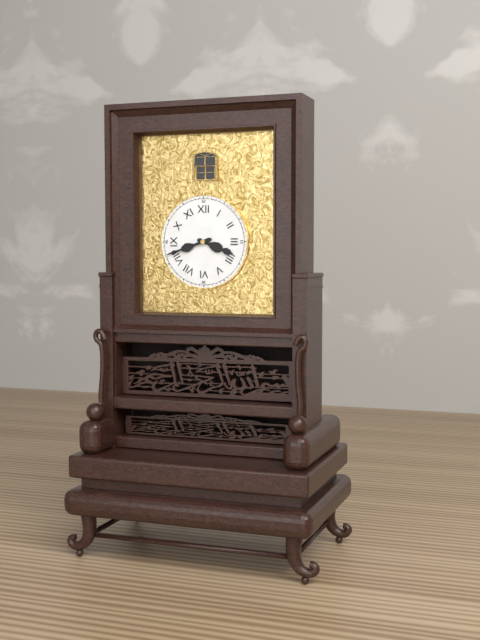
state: 3:42
